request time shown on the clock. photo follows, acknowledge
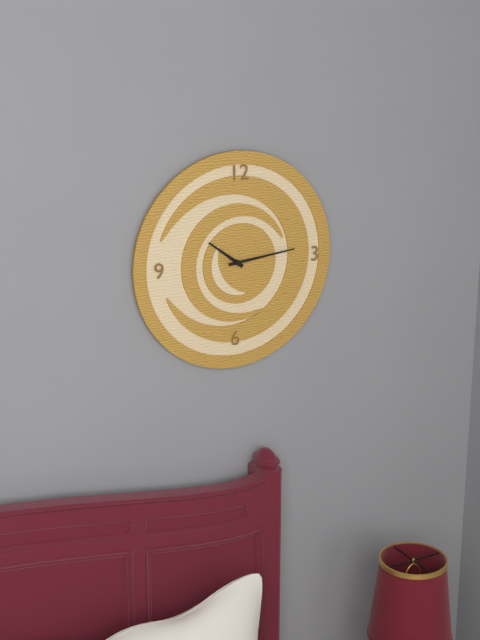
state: 10:14
